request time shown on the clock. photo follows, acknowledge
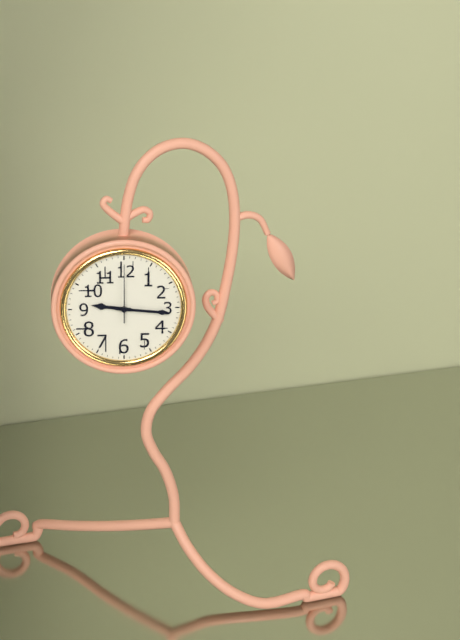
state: 9:16:00
